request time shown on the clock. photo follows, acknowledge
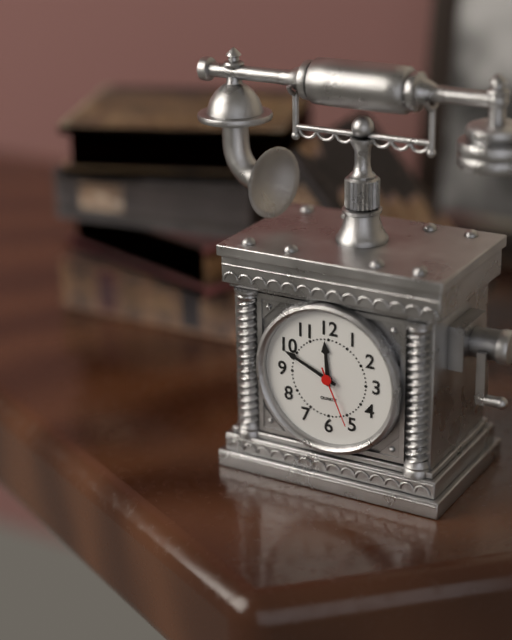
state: 11:49:26
